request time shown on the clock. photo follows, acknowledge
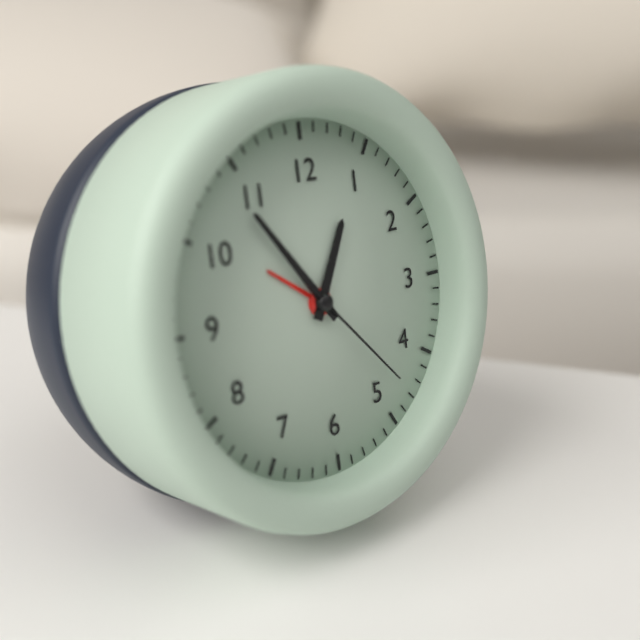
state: 12:54:23
